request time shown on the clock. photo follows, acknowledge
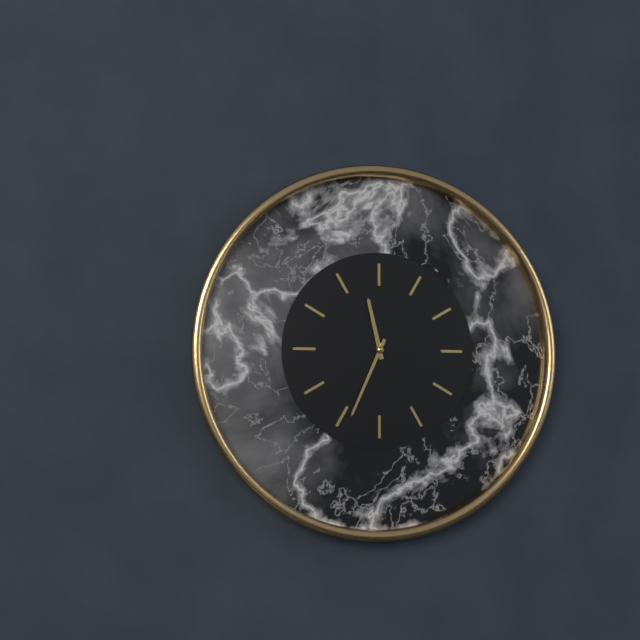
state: 11:34
